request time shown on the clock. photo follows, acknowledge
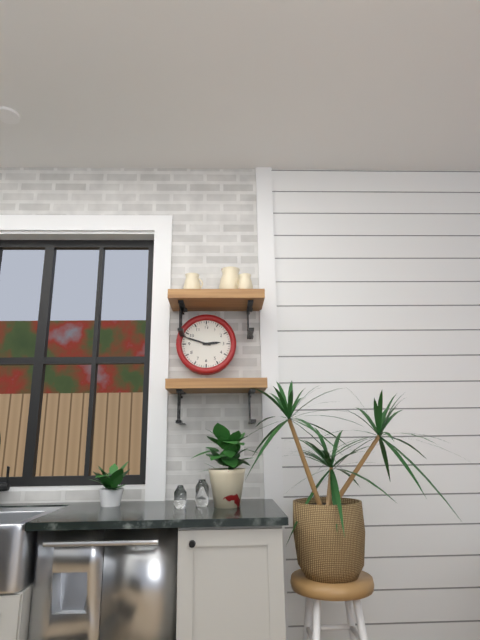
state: 2:48
